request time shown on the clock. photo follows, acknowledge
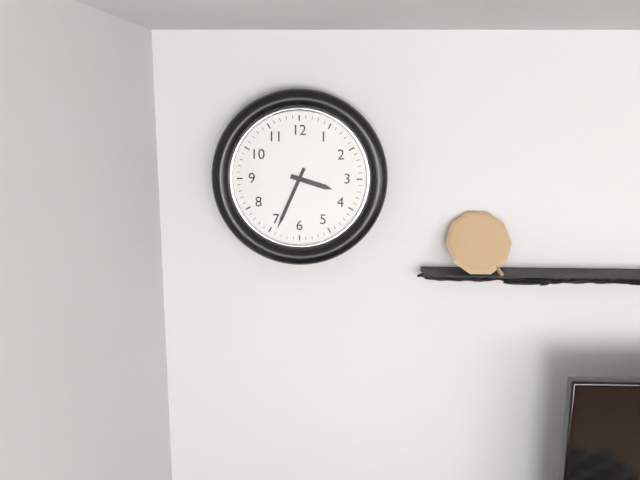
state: 3:34
